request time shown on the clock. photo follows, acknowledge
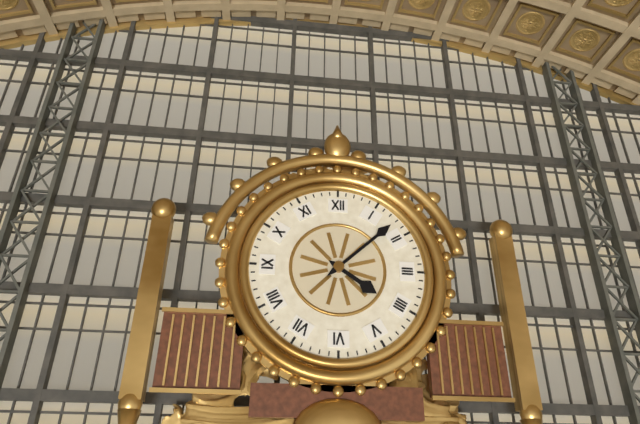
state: 4:08
